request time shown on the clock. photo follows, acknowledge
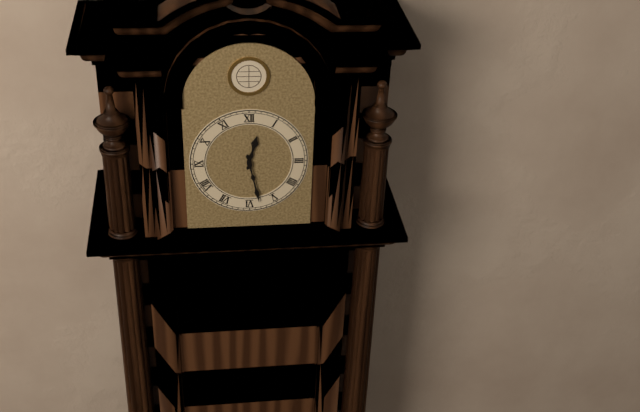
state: 12:28
